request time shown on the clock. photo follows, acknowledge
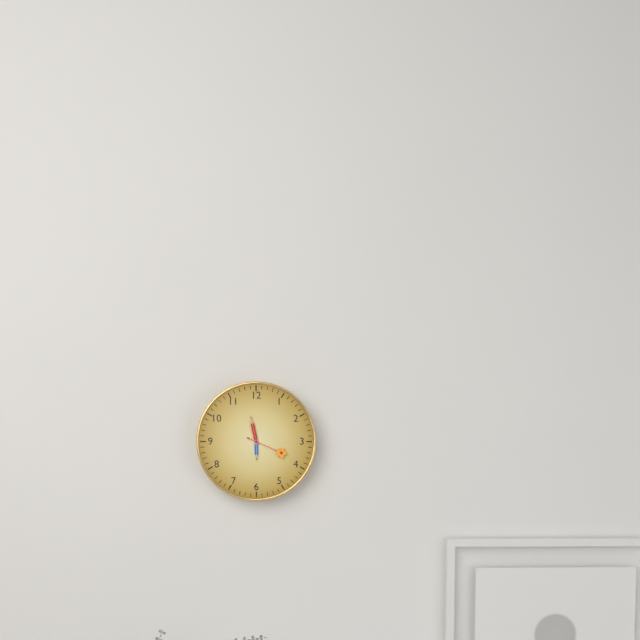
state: 5:58
